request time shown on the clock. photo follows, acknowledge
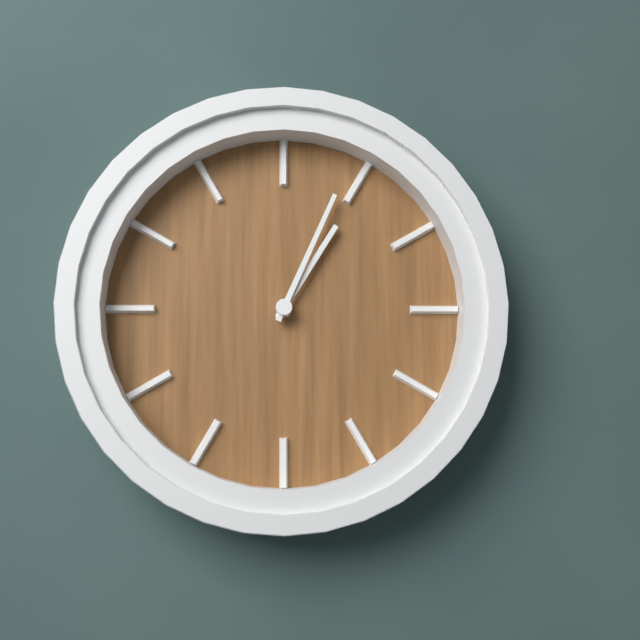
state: 1:04
